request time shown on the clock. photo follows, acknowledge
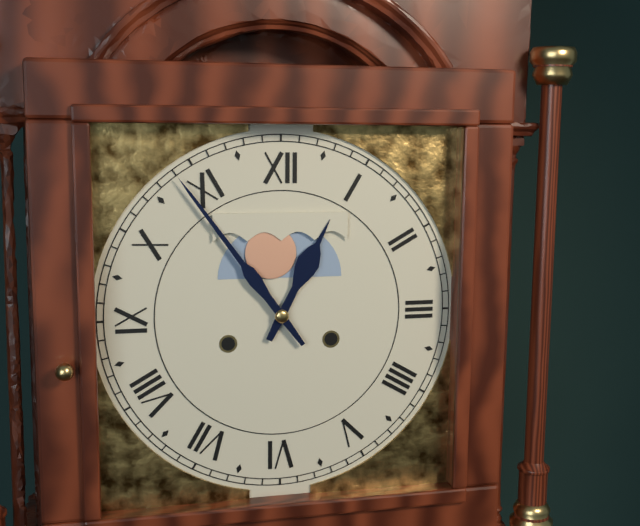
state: 12:54
